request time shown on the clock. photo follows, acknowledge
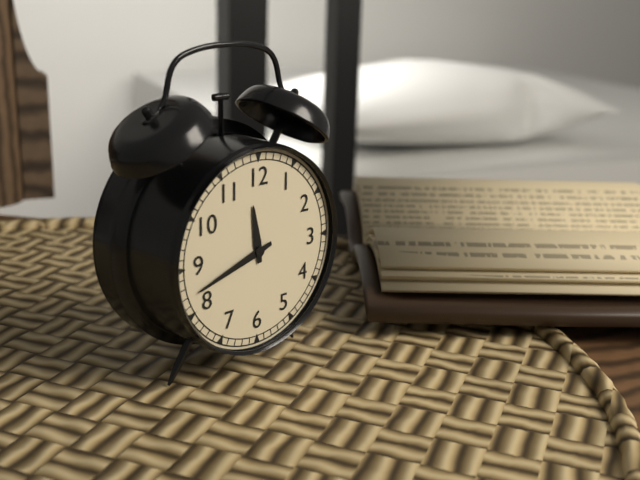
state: 11:42
